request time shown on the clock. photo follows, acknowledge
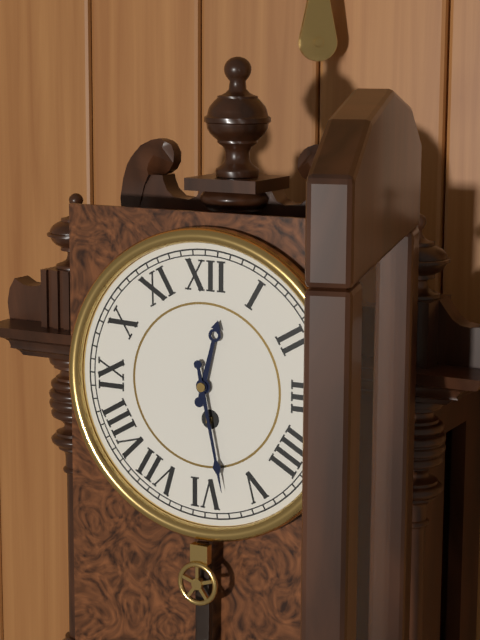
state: 12:28
